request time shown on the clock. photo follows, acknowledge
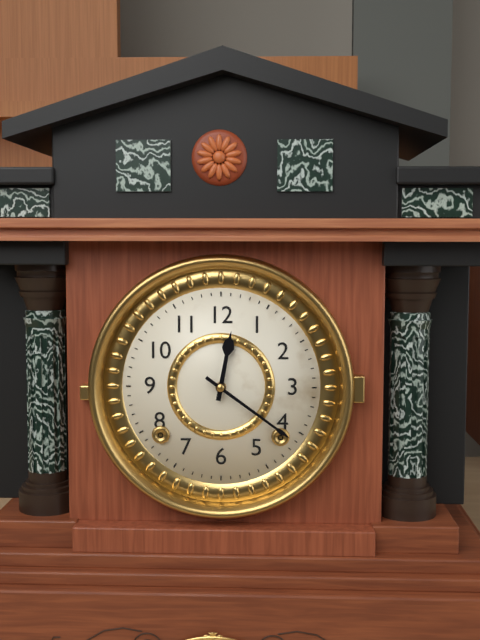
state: 12:21
